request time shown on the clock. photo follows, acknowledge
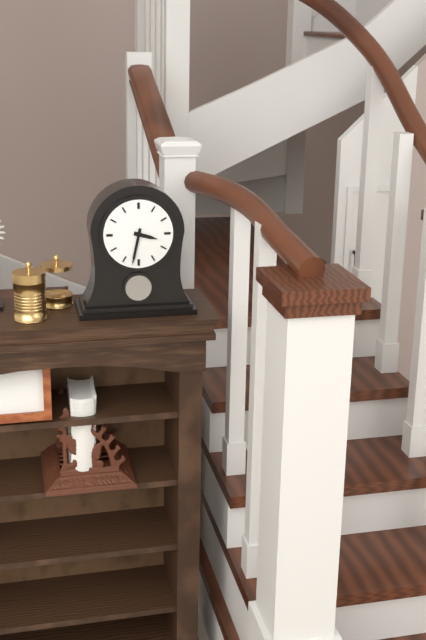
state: 3:32
